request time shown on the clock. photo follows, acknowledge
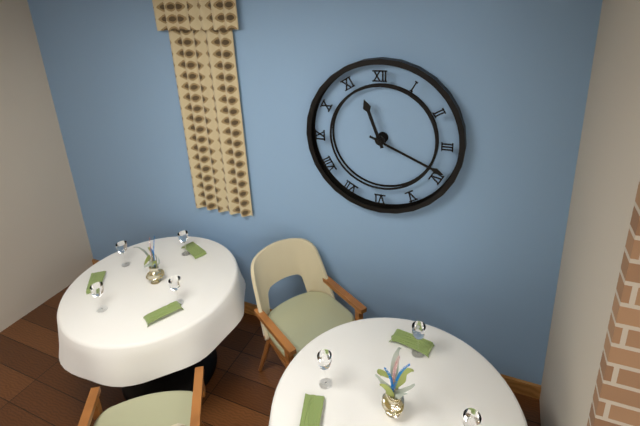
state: 11:19
